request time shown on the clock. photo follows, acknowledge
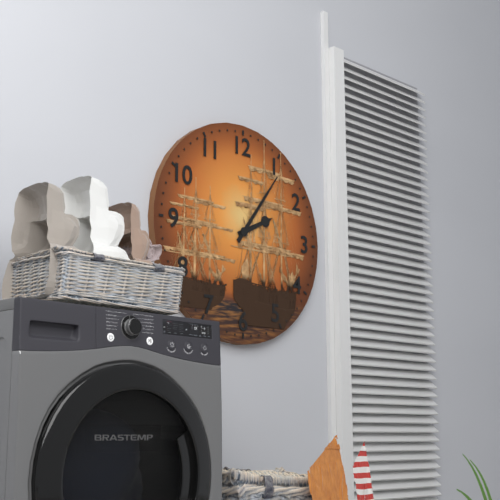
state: 2:06
